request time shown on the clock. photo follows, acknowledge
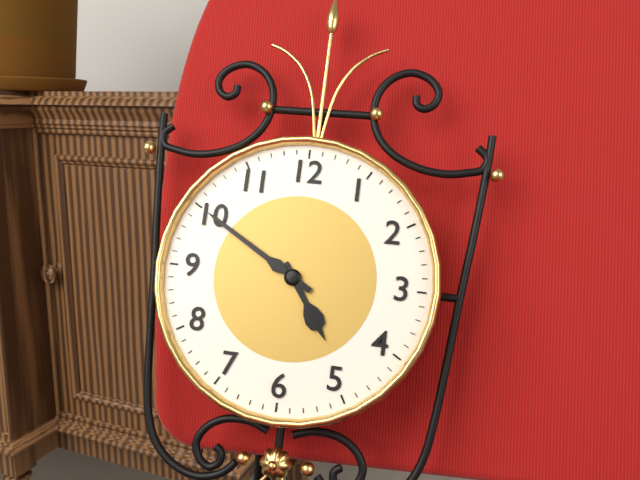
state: 4:50
